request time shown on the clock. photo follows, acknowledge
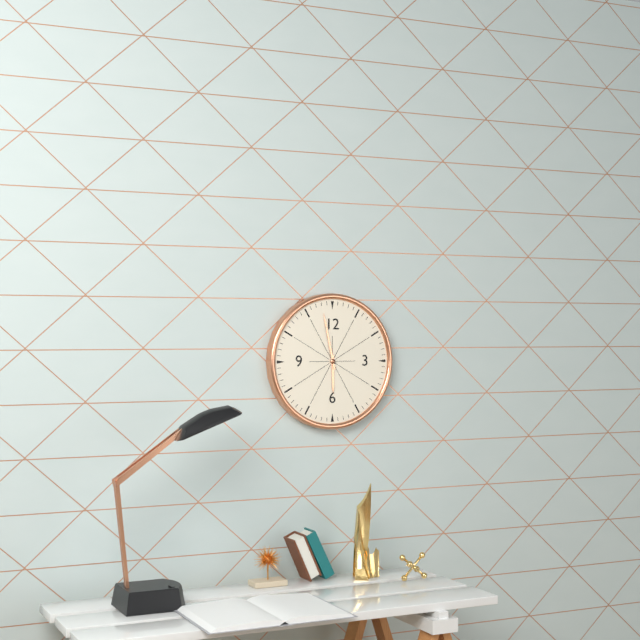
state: 5:58
